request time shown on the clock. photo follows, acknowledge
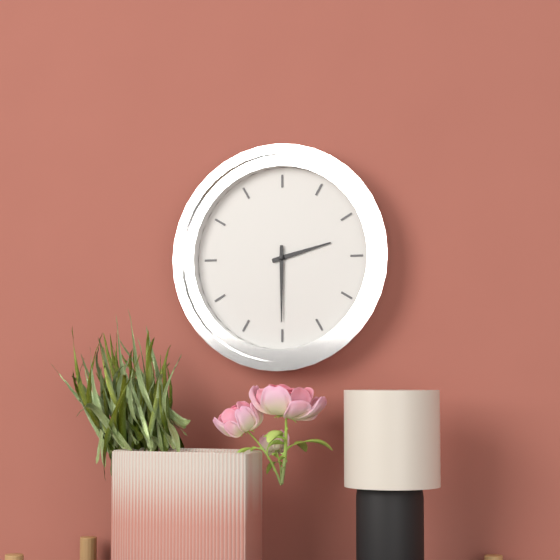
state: 2:30
